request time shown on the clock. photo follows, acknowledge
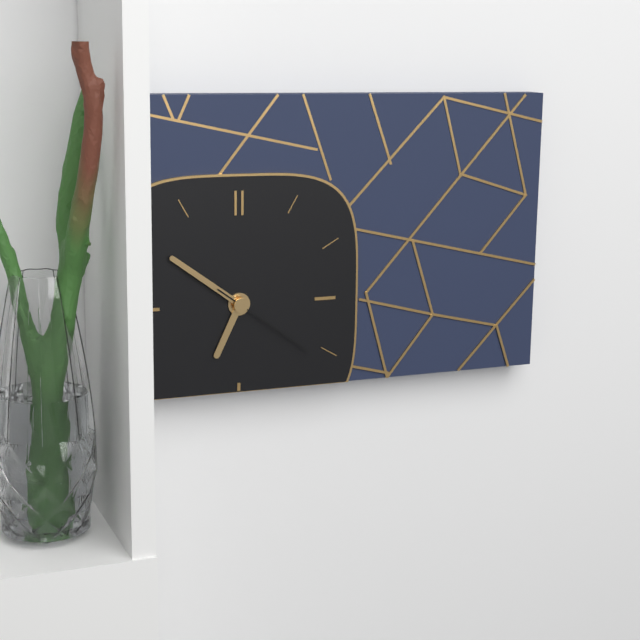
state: 6:51:21
